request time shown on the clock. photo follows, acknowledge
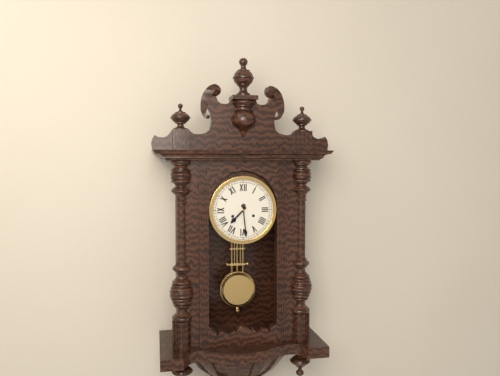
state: 7:29
